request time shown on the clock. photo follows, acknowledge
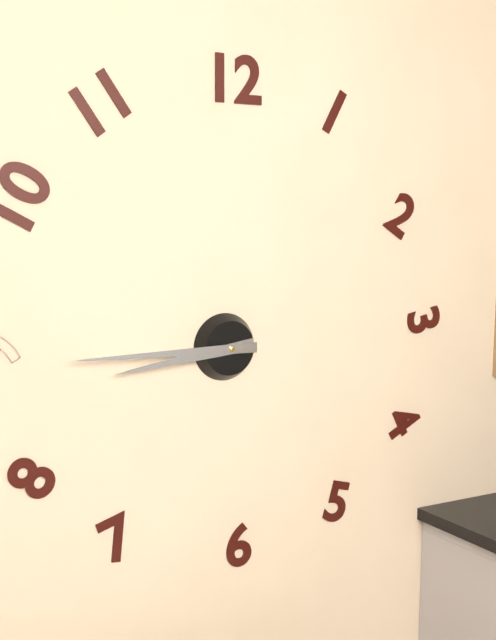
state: 8:45
